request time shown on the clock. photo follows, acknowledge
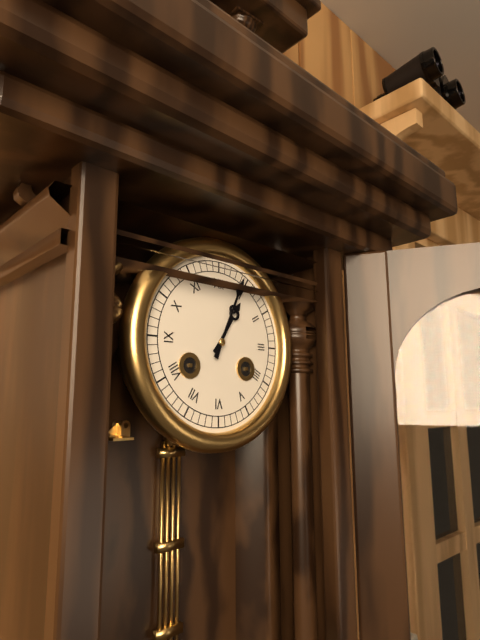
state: 1:04
